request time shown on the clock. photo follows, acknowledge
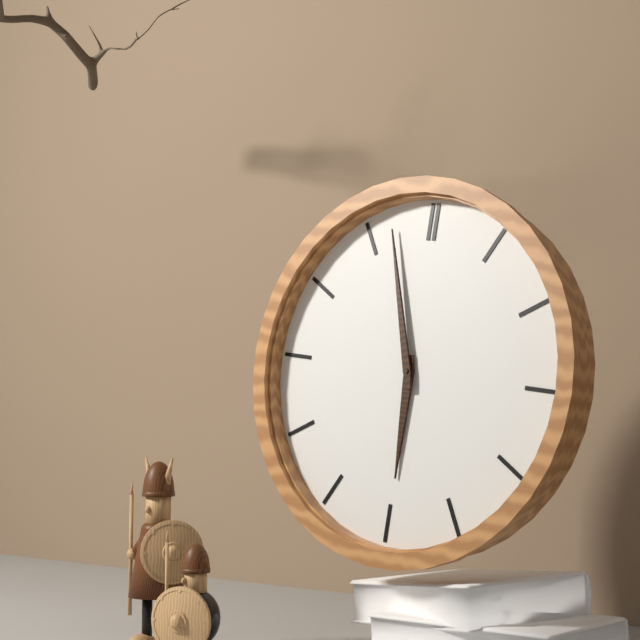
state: 5:57
